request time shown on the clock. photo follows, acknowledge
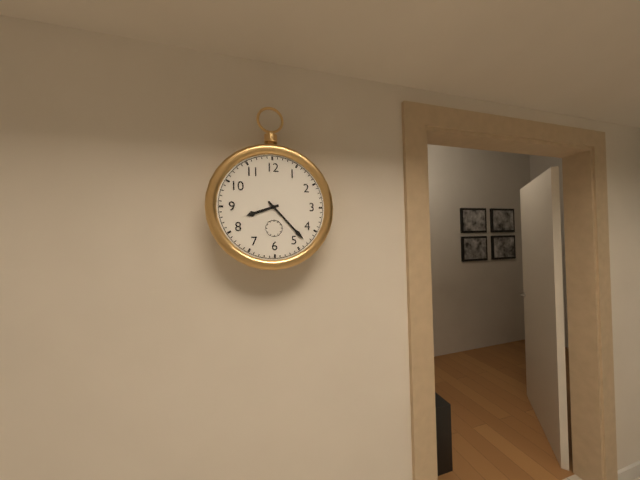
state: 8:23
